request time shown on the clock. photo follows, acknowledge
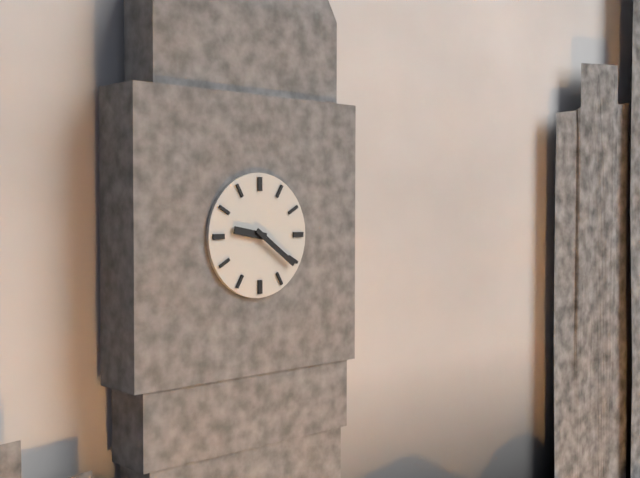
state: 9:21
